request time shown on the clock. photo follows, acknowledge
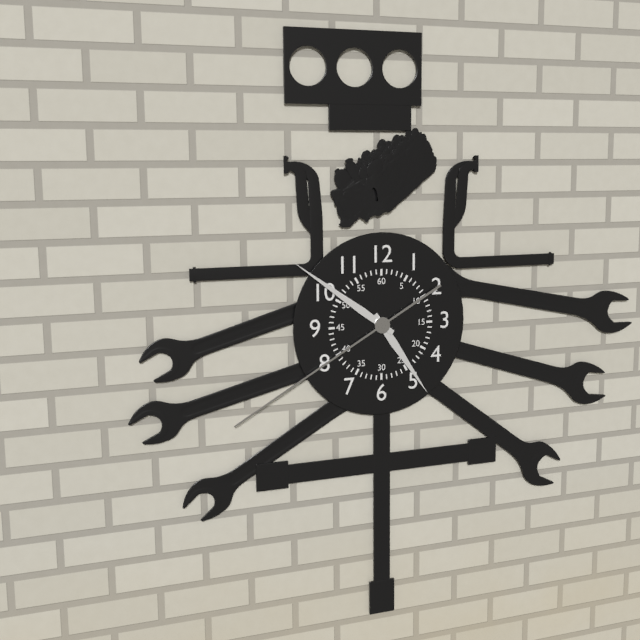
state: 4:51:40
